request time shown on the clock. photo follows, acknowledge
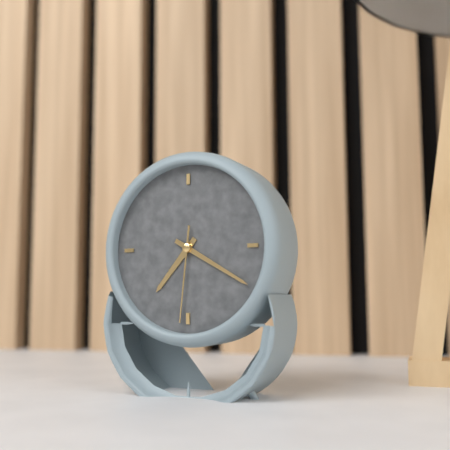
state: 7:20:31
